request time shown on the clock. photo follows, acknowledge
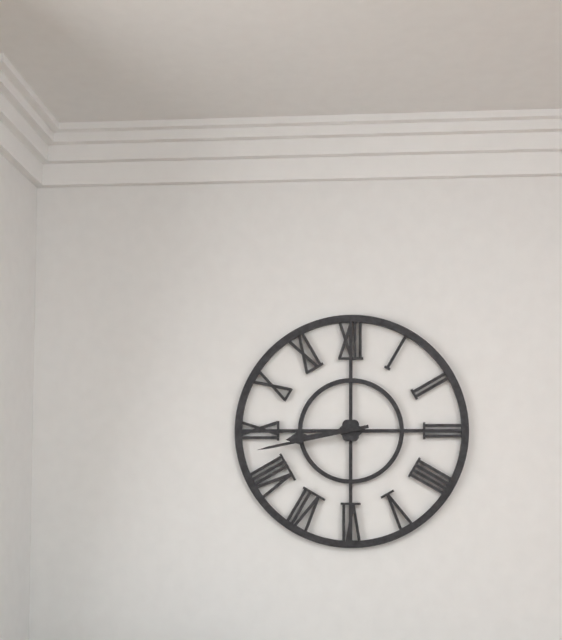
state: 8:43
